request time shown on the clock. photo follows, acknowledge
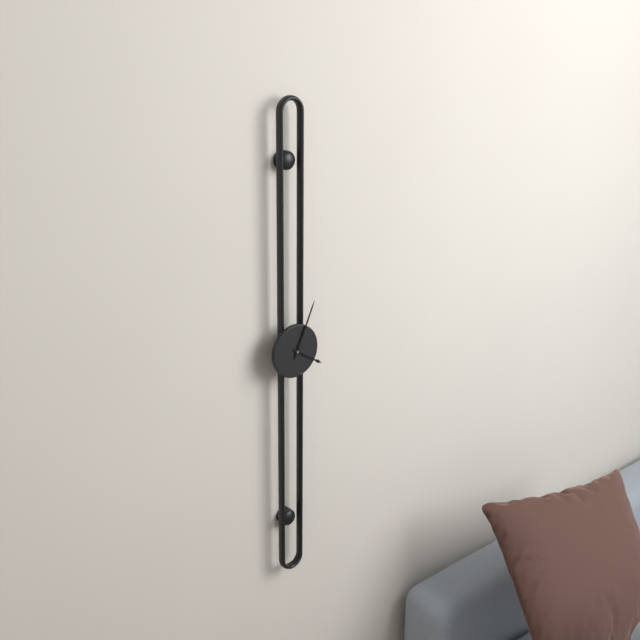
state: 4:04
